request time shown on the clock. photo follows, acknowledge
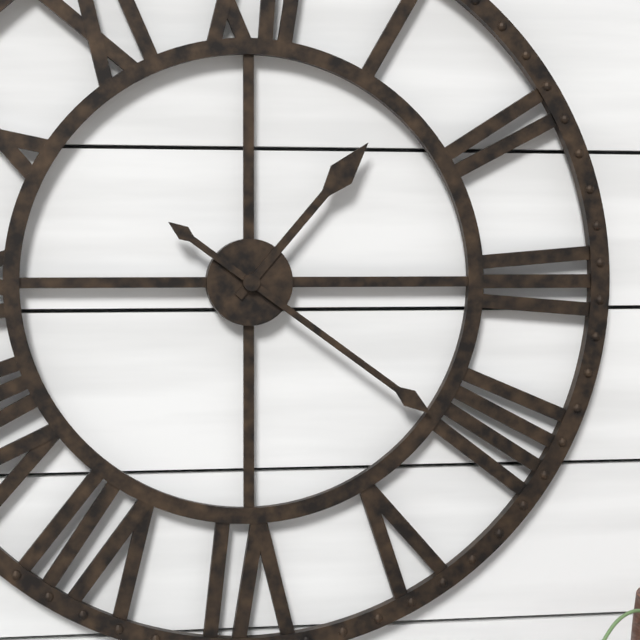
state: 1:21
